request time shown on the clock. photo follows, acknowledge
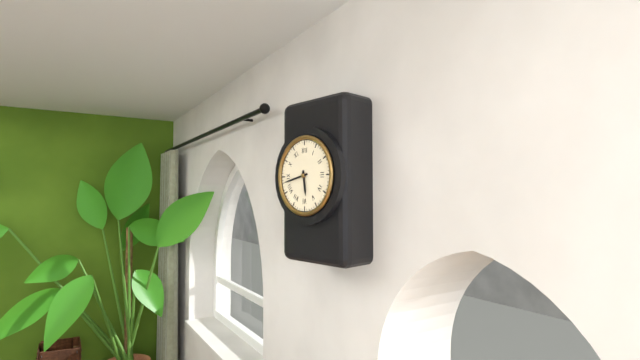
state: 5:43
